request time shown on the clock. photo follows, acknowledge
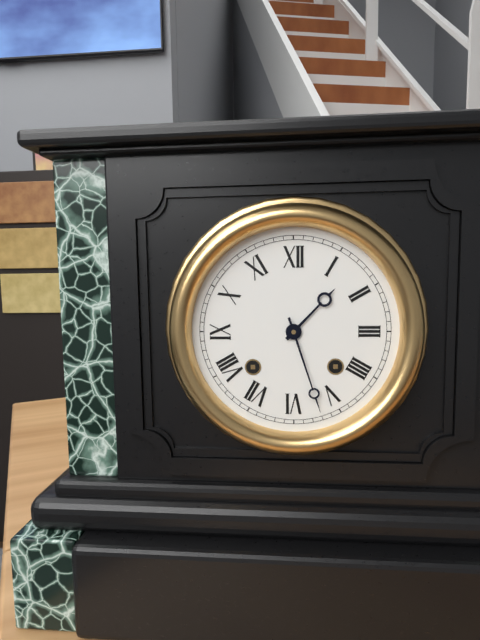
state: 1:27
